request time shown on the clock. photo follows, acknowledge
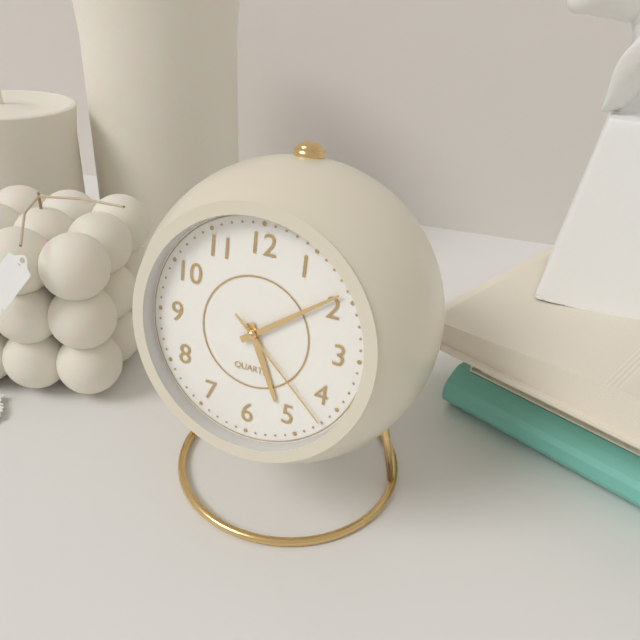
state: 5:09:22
